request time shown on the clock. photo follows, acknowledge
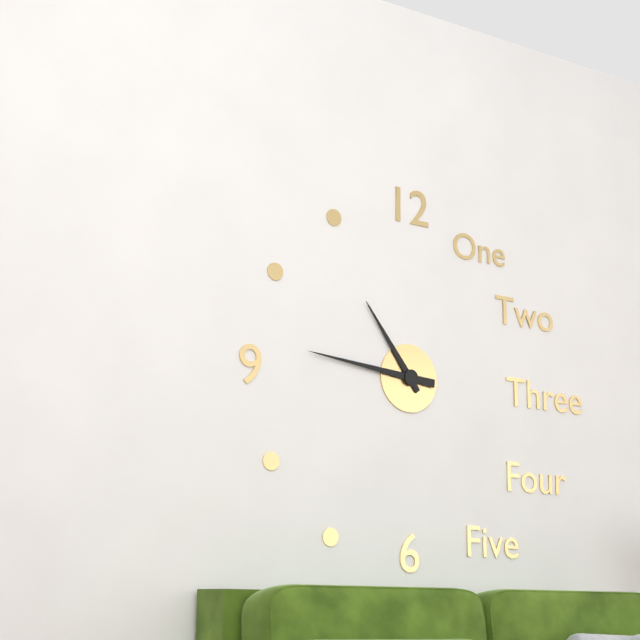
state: 10:46
